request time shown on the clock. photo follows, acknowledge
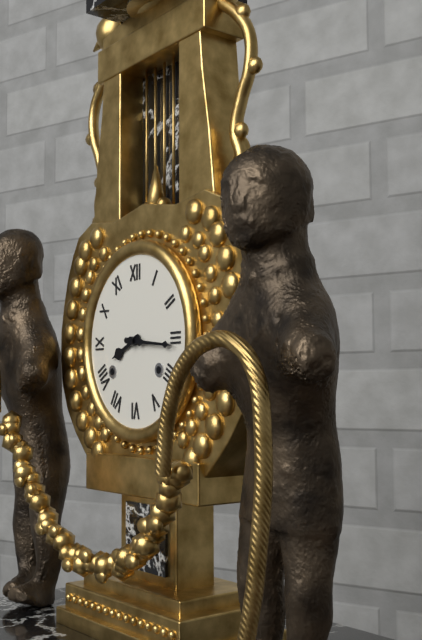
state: 8:16
